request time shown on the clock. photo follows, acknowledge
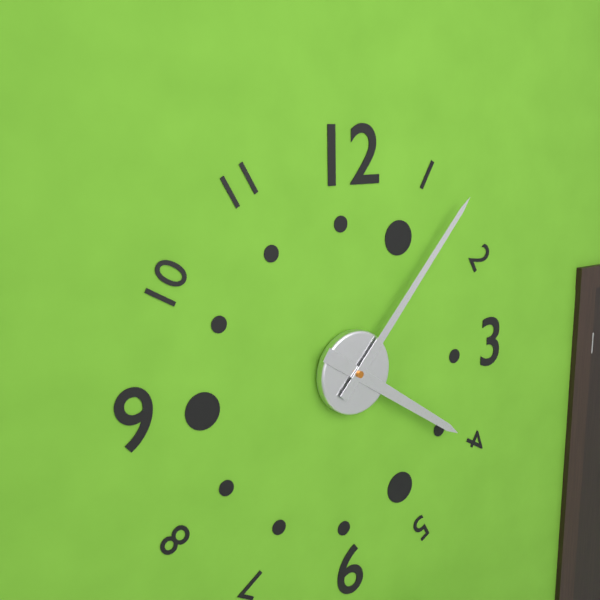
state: 4:07
